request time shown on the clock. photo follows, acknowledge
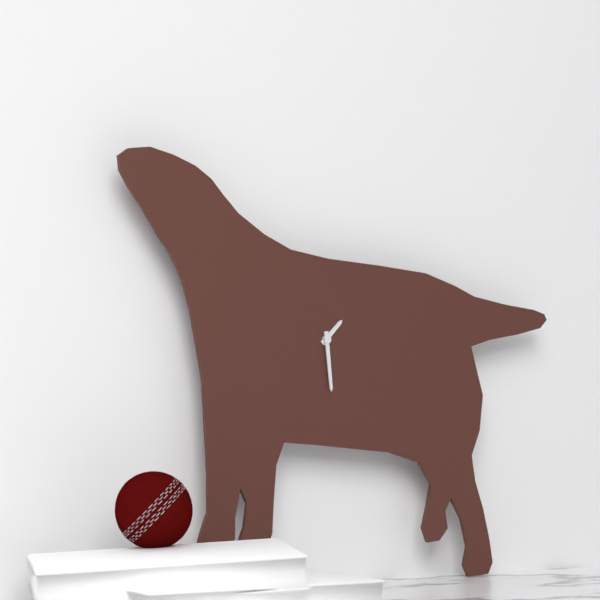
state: 1:29
